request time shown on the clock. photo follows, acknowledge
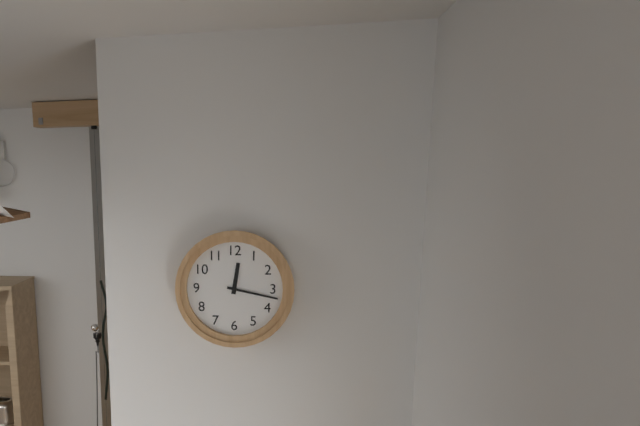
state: 12:17
